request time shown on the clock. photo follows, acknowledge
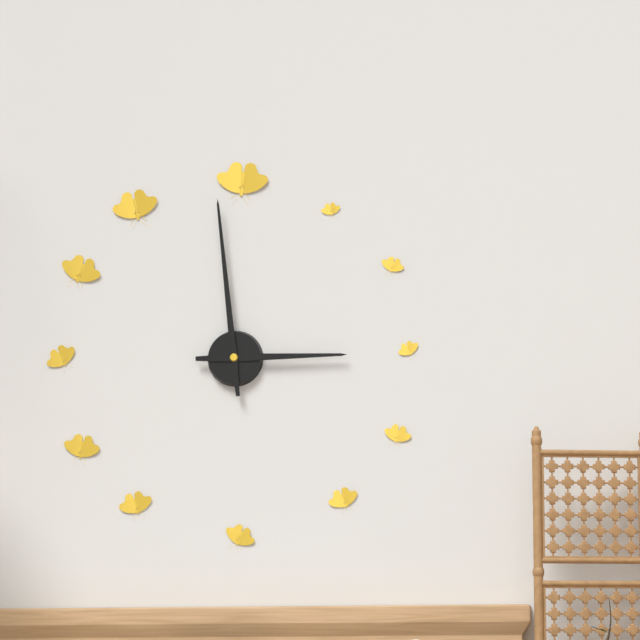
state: 2:59
